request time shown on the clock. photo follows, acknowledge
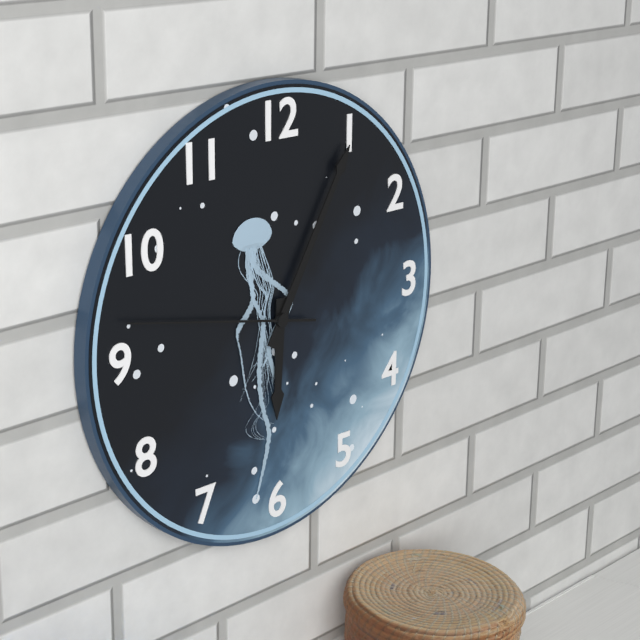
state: 6:05:47
